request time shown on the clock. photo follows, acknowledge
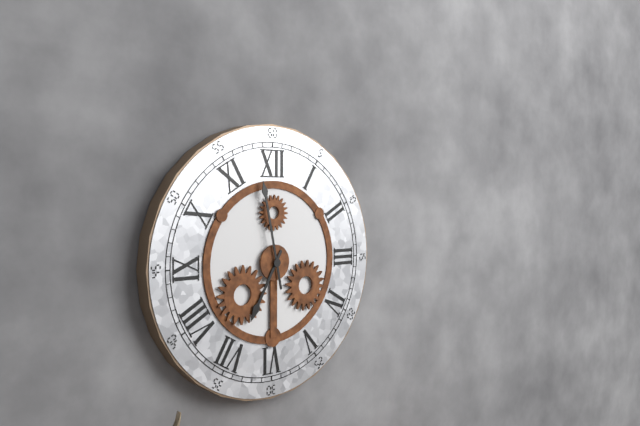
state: 6:58
